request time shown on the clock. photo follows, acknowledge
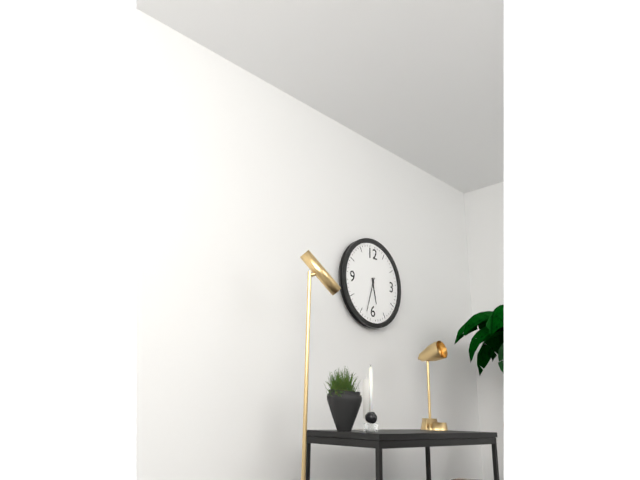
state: 5:33
